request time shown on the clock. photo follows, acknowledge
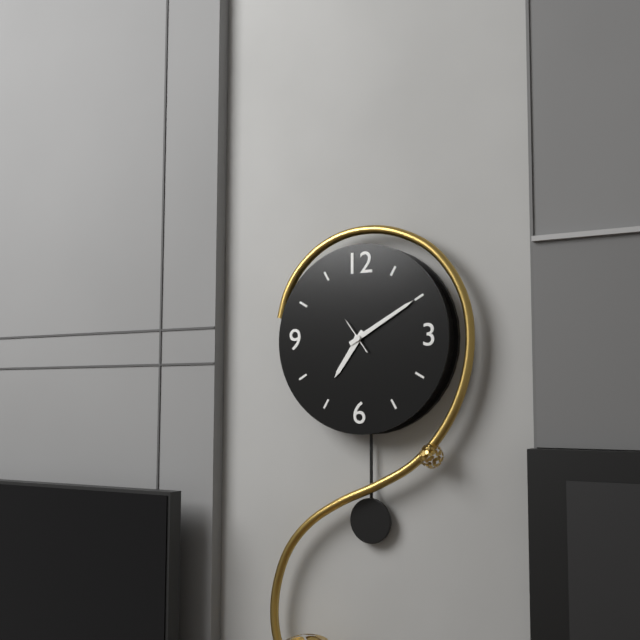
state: 7:10
